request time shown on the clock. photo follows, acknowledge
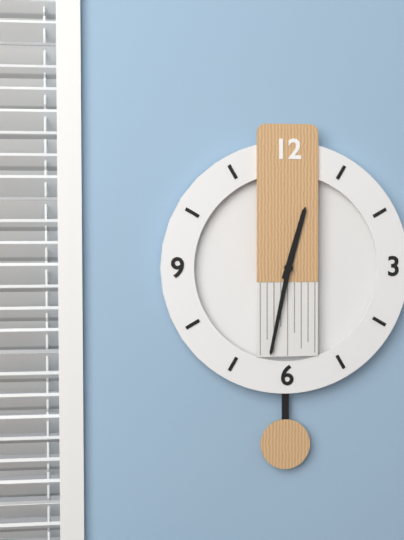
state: 12:32
